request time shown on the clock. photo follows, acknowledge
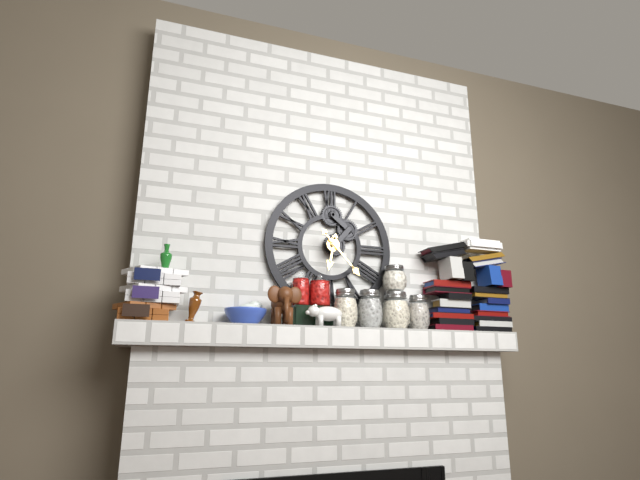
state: 6:23
